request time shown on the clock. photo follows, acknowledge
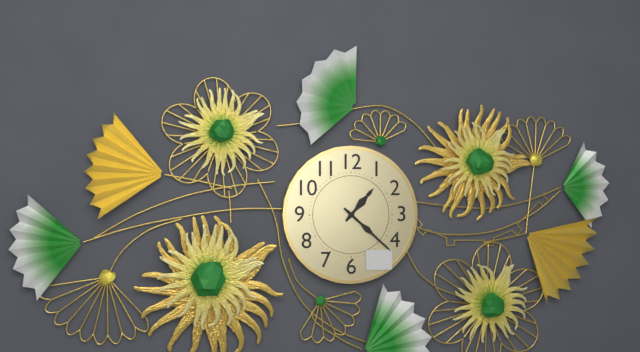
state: 1:22
